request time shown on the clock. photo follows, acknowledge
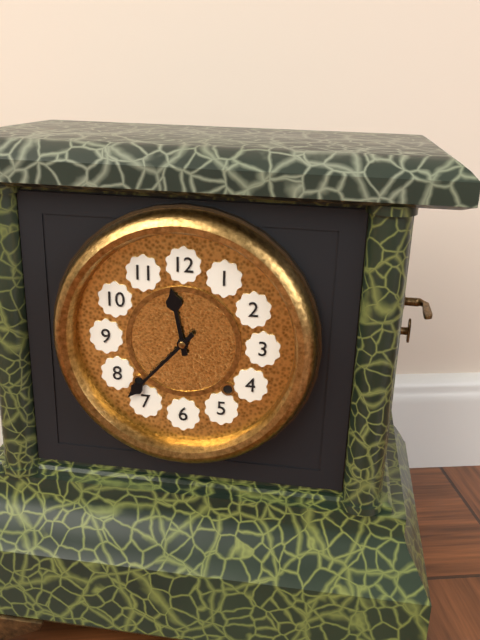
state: 11:37
